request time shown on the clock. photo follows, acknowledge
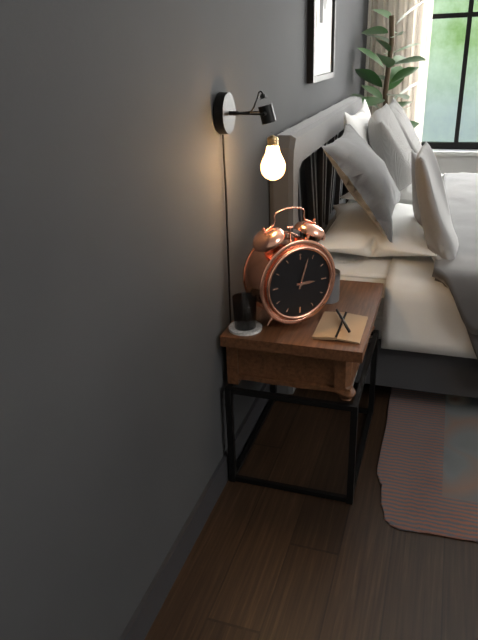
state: 3:03
